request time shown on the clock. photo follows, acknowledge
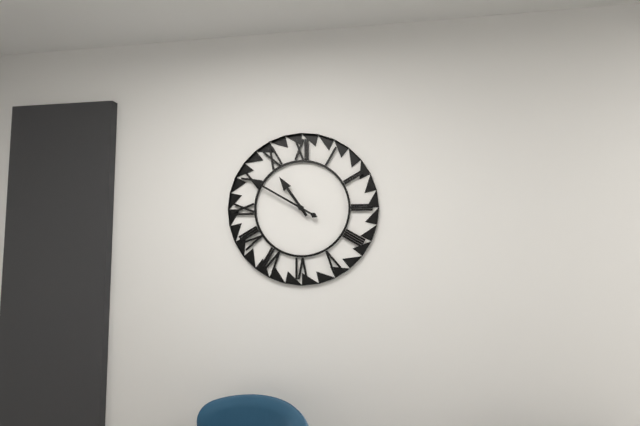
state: 10:50
